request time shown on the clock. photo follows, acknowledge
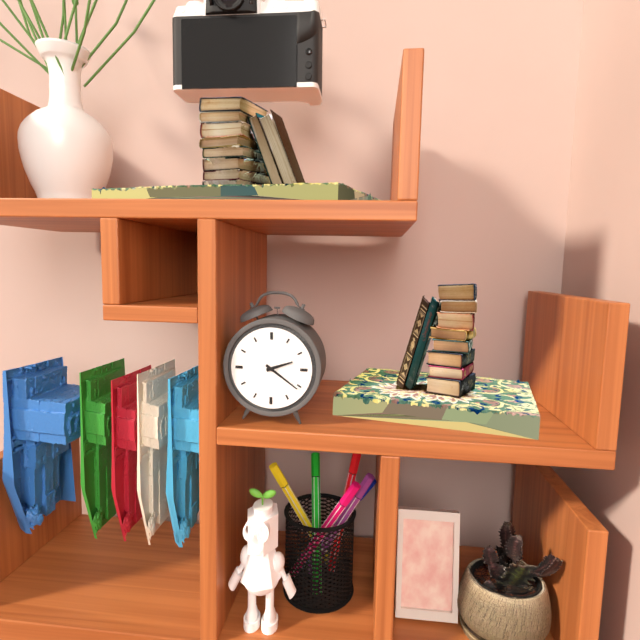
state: 2:21
